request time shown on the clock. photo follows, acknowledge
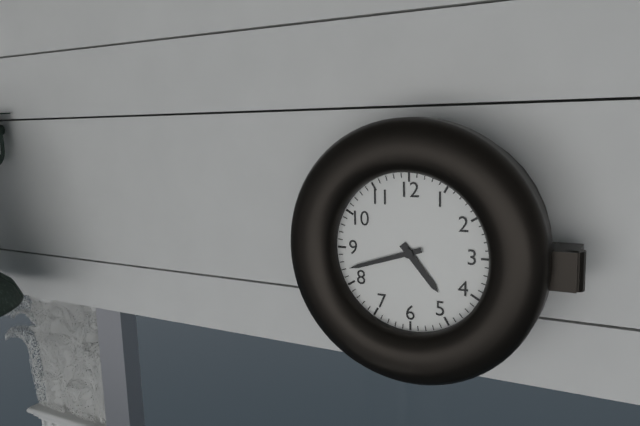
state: 4:42
